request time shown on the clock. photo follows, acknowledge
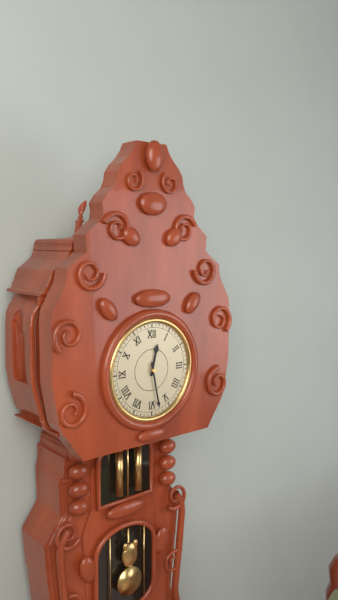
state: 12:28
